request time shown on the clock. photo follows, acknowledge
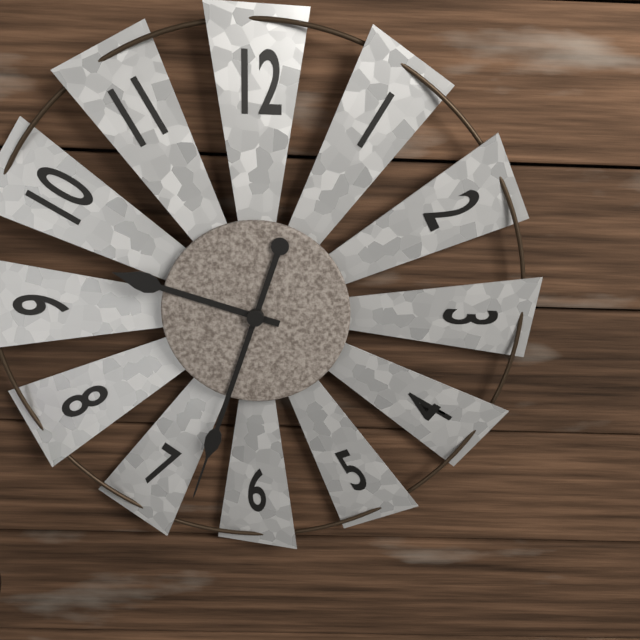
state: 9:33
